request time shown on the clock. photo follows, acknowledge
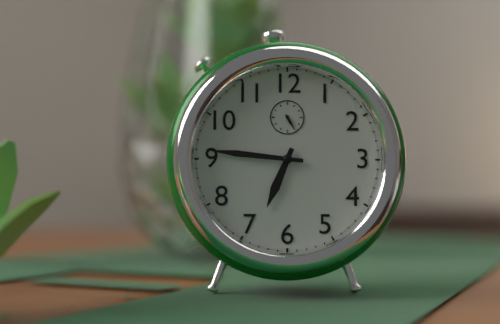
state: 6:46
